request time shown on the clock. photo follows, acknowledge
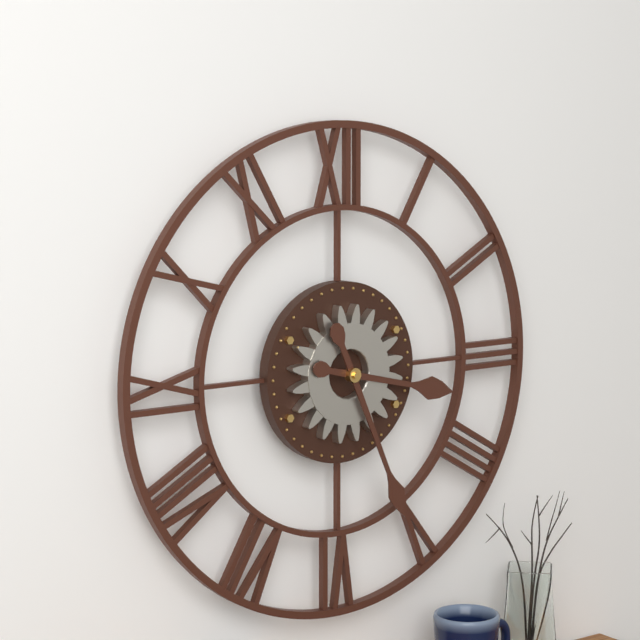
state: 3:26
